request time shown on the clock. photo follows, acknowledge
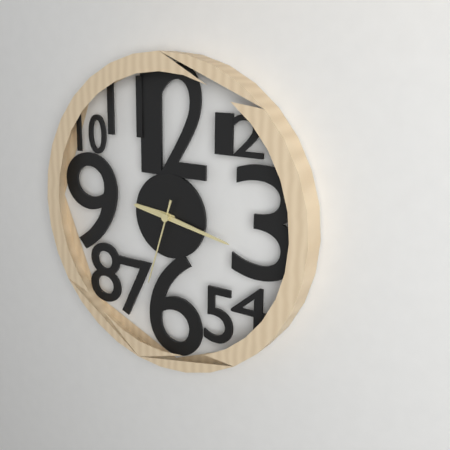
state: 9:17:33
